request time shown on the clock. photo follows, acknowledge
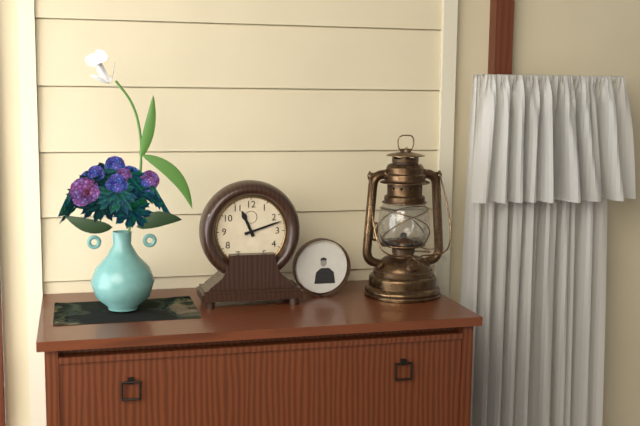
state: 11:12
